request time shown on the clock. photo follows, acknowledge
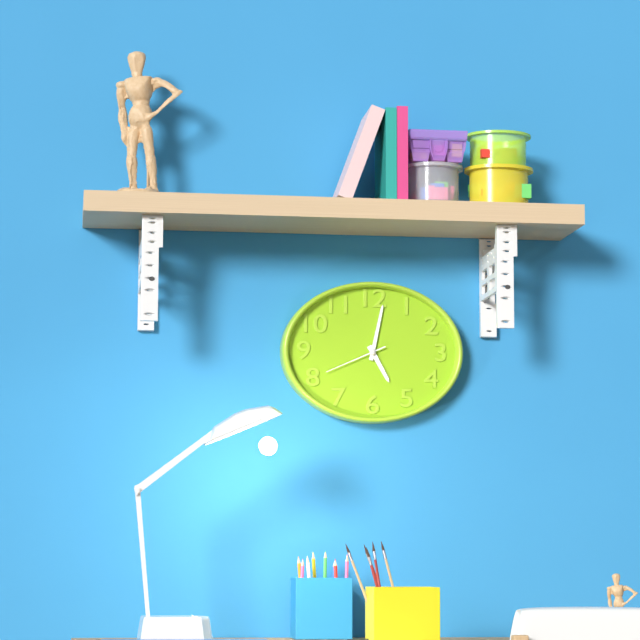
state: 5:02:41
